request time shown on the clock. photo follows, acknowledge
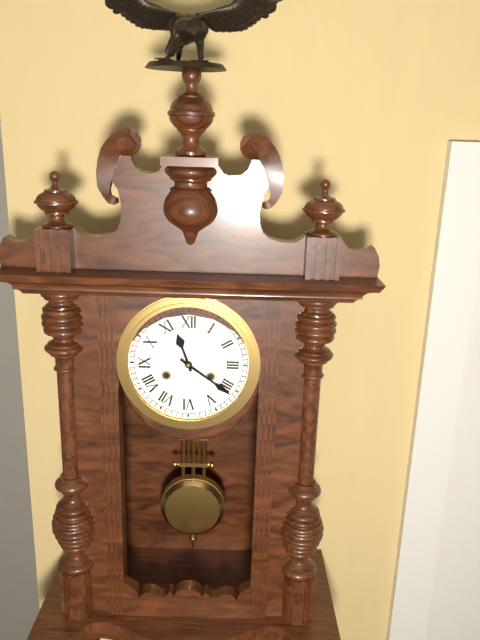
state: 11:21
